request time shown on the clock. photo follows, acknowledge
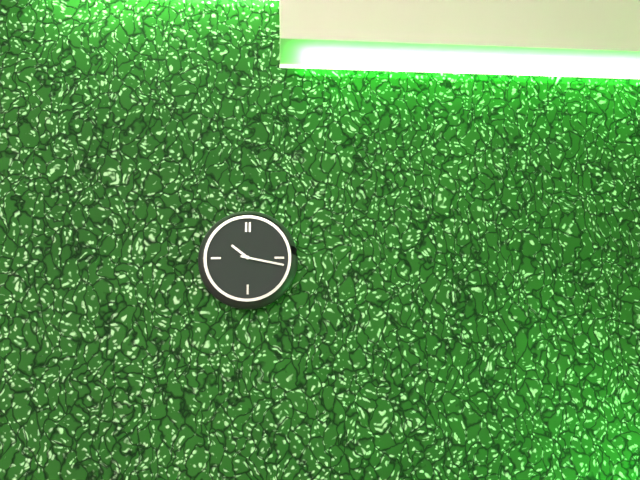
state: 10:17
